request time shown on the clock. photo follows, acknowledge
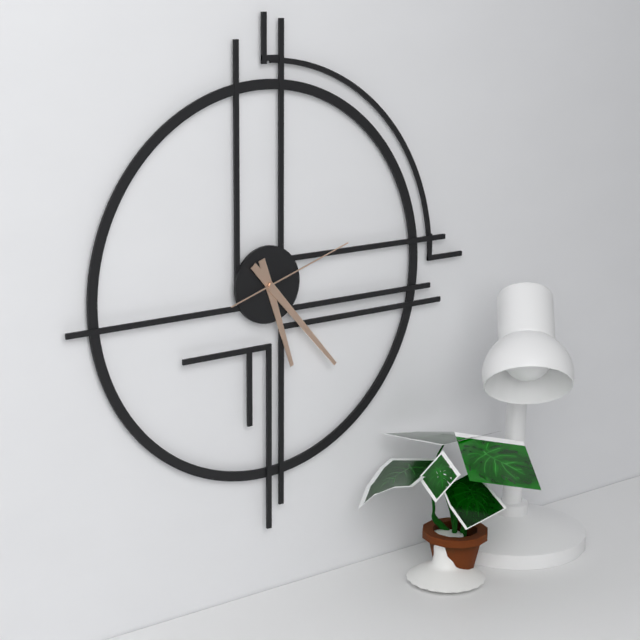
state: 5:23:12
